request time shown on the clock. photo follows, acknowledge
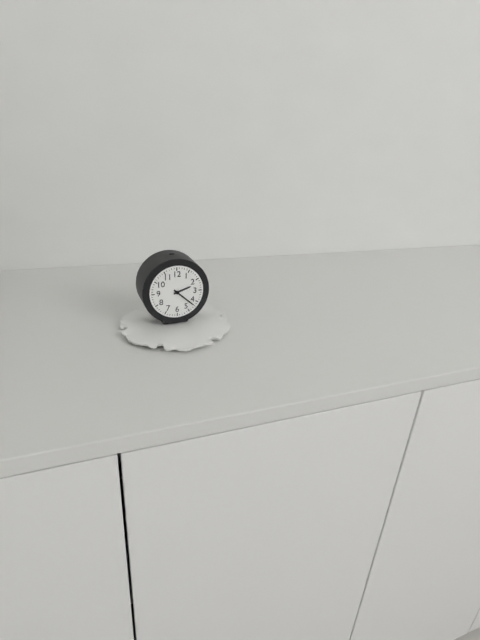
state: 2:22
